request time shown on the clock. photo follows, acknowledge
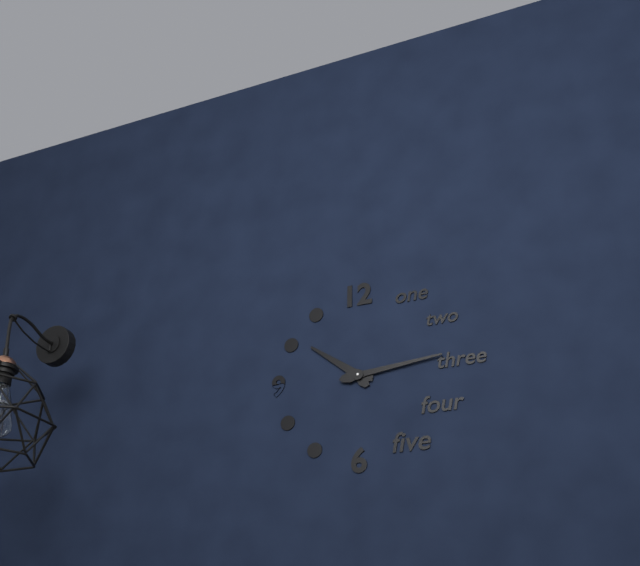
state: 10:14
